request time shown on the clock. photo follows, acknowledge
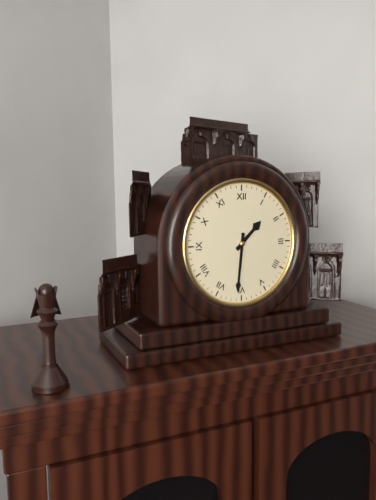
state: 1:31
